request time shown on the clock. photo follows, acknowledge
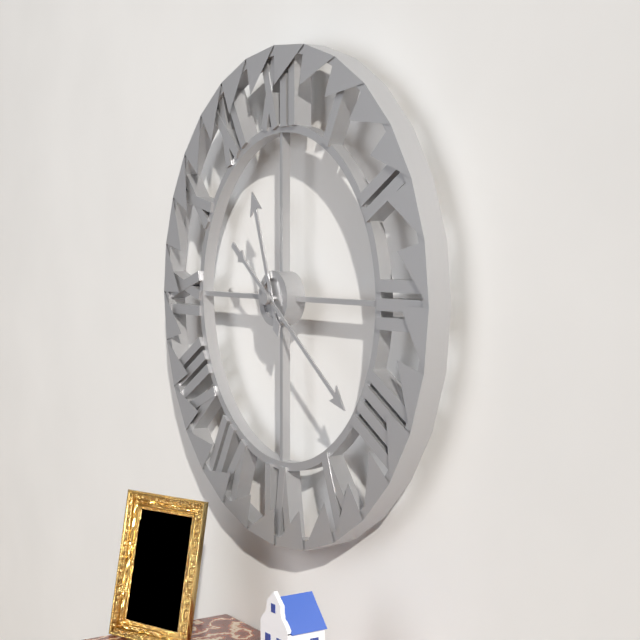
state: 11:21
